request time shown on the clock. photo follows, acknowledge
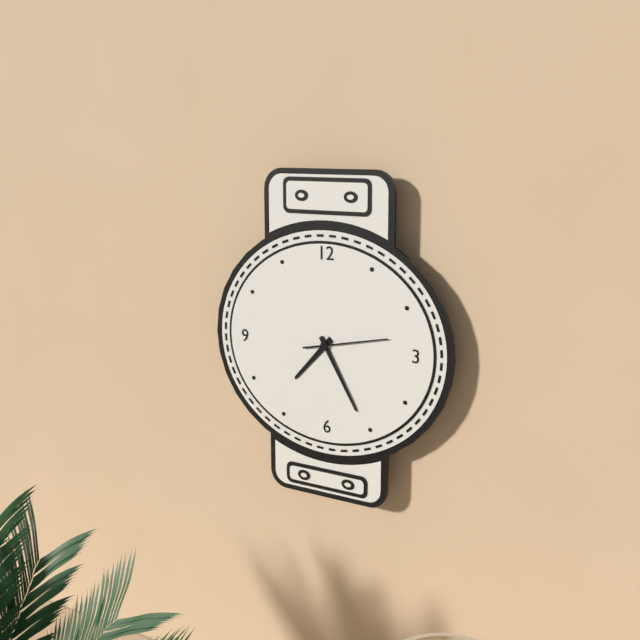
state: 7:25:13
